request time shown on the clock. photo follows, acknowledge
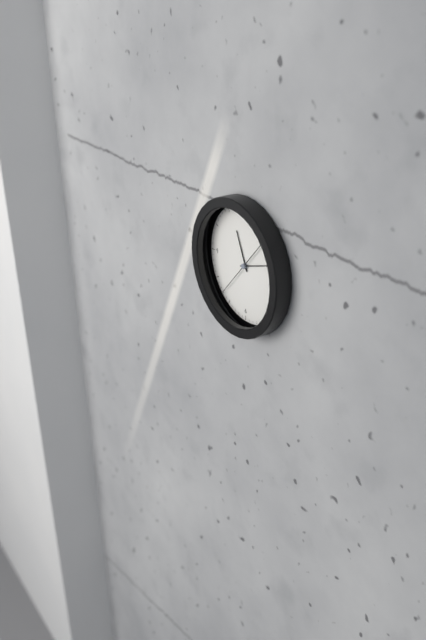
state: 11:12
